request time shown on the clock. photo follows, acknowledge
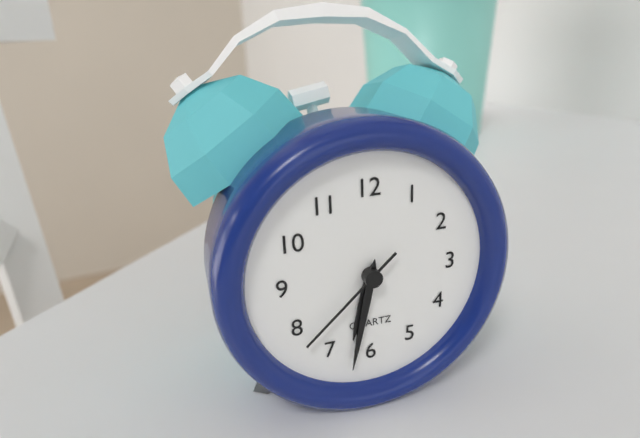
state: 6:32:38
